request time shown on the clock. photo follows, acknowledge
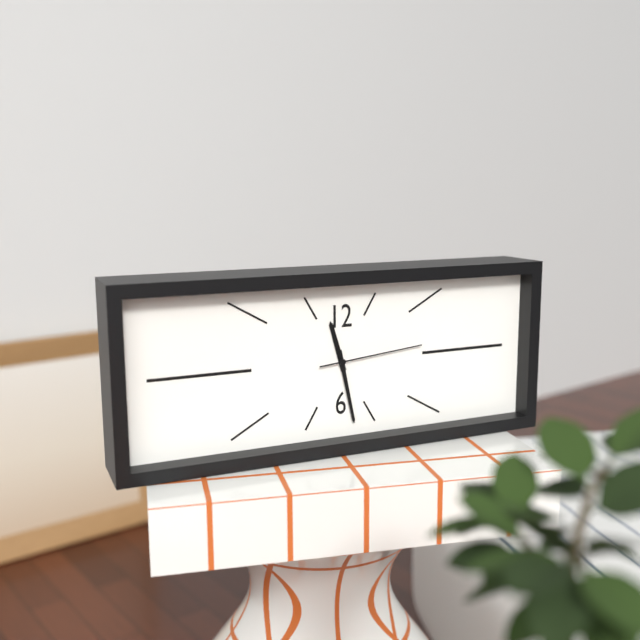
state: 11:28:14
